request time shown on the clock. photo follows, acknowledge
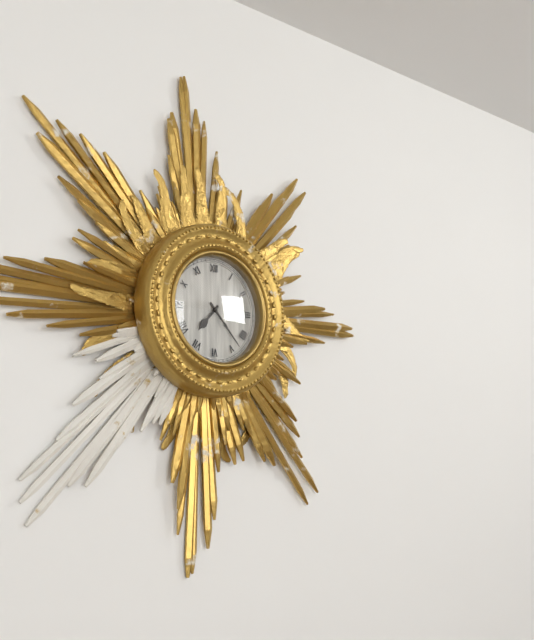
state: 7:23
